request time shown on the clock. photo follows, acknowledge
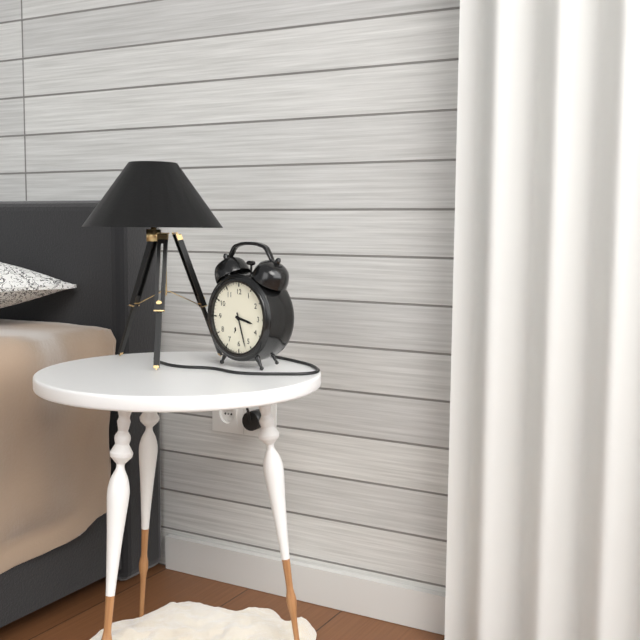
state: 3:27
